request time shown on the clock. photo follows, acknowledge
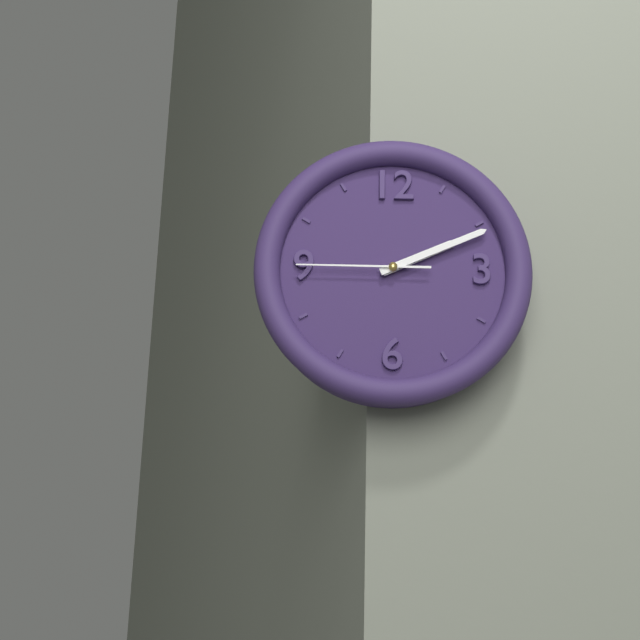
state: 2:11:45
